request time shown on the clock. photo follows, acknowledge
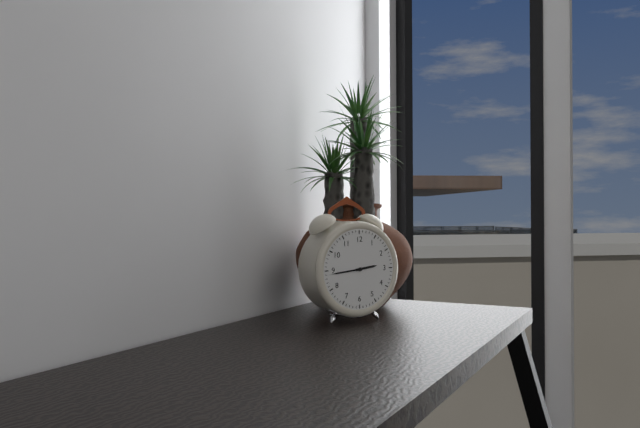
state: 2:44
